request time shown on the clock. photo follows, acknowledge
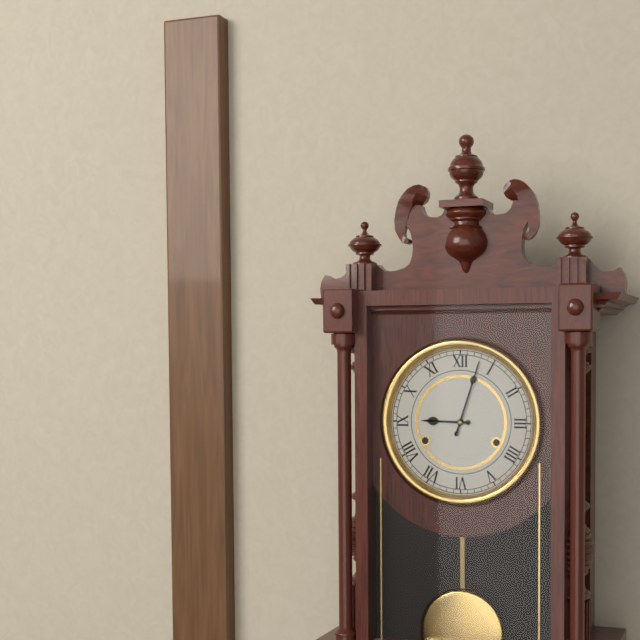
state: 9:03
